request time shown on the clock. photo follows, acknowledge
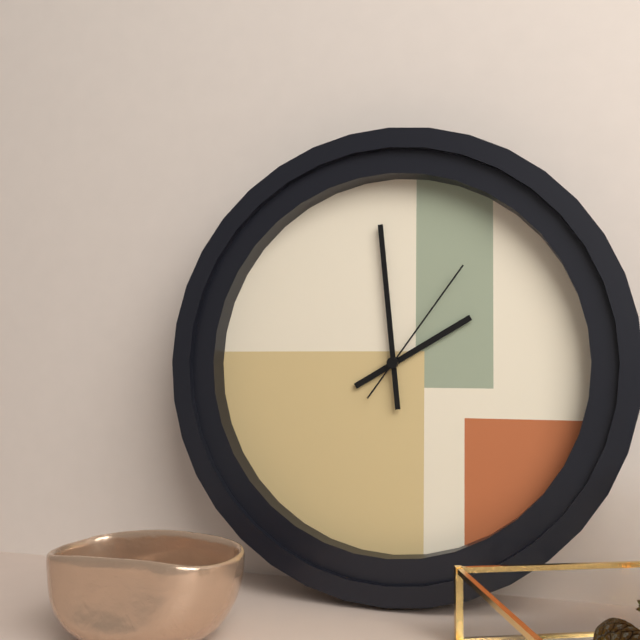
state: 1:59:06
